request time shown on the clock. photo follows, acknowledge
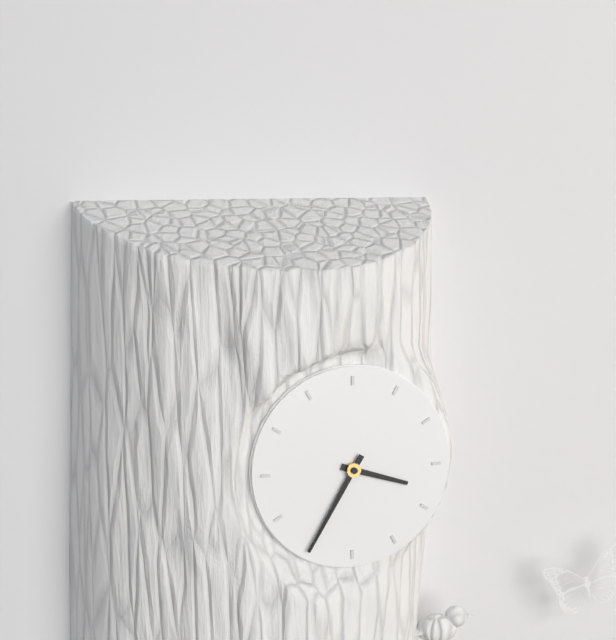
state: 3:35
